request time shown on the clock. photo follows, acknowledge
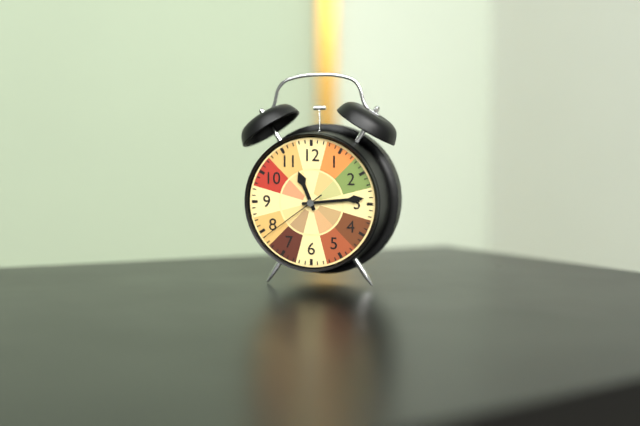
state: 11:14:39
